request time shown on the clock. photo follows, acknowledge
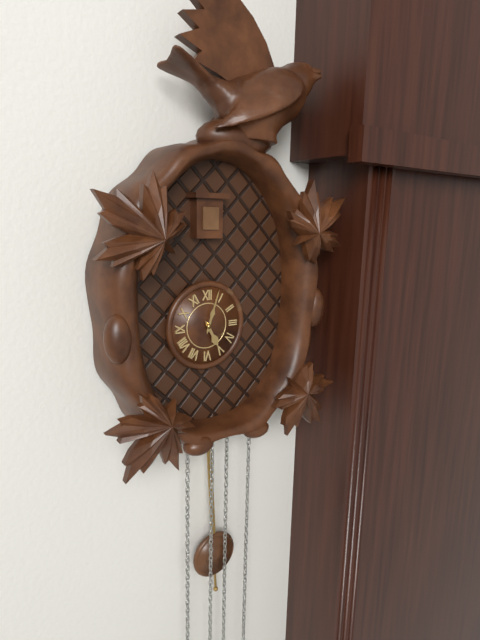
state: 5:03
